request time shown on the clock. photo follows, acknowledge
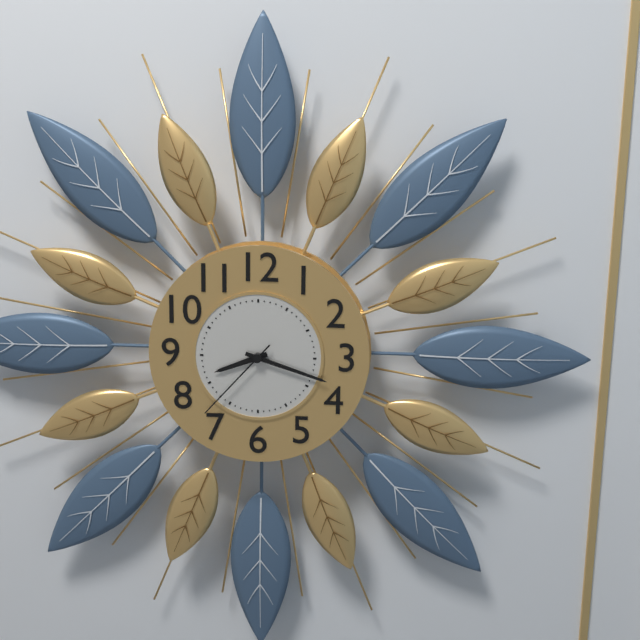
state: 8:18:37
